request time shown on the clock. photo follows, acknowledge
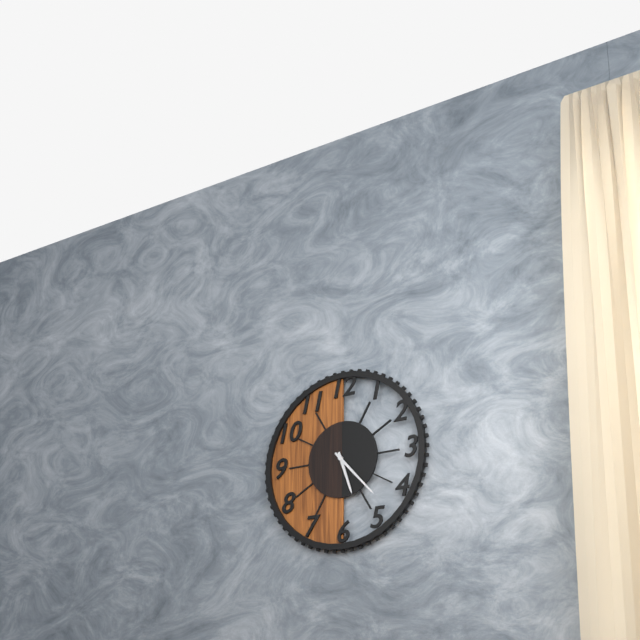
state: 5:23
